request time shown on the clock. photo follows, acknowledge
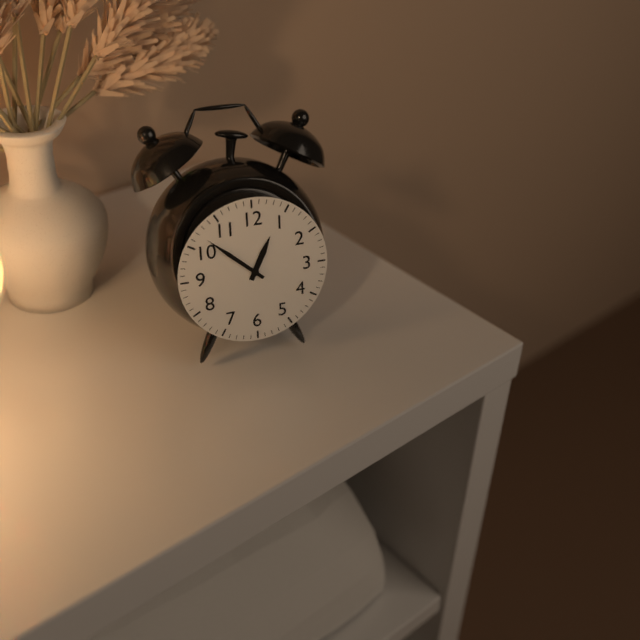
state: 12:52
